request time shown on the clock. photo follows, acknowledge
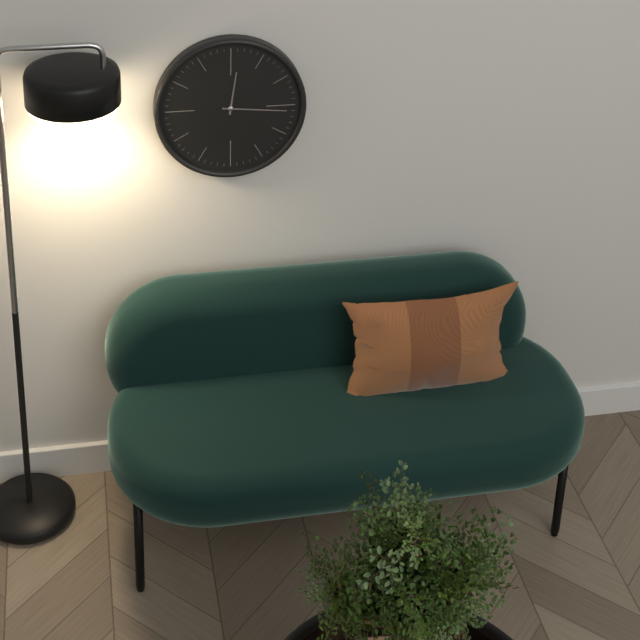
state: 12:16
